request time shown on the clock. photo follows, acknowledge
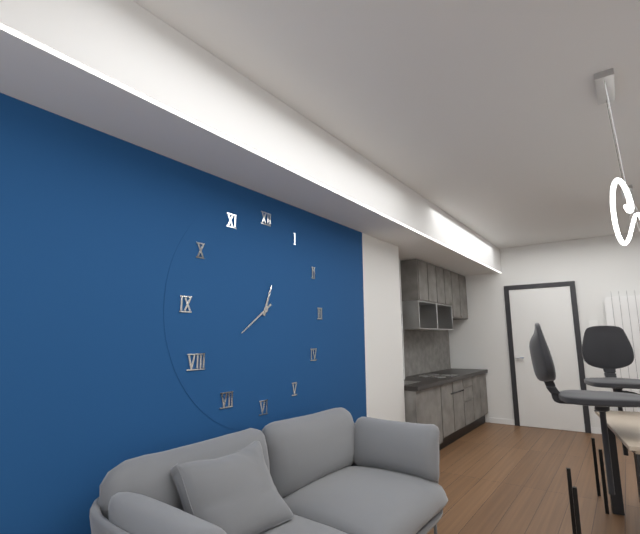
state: 12:39
